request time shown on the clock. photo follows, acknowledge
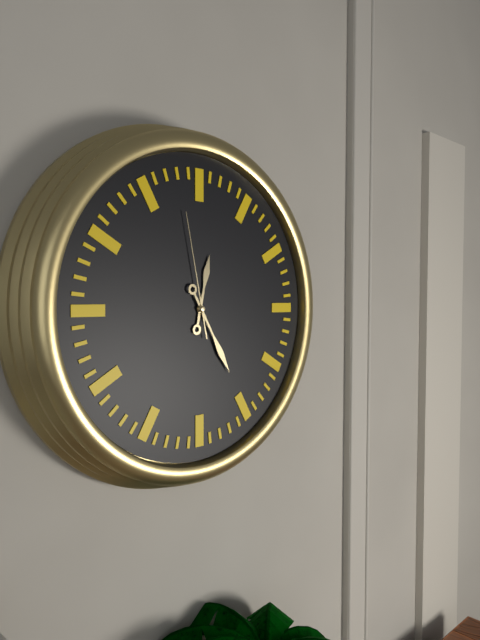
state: 12:25:58
